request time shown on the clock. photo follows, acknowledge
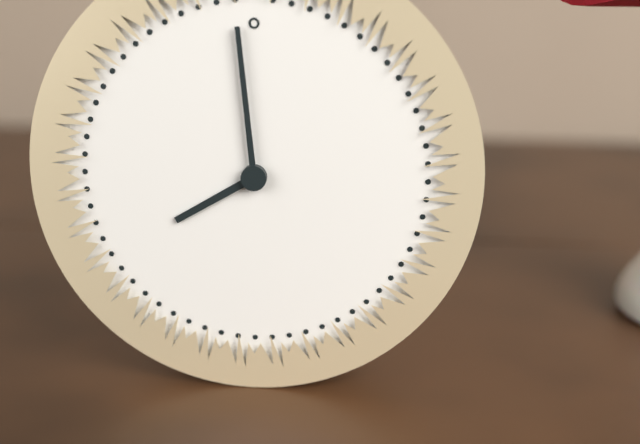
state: 7:59
